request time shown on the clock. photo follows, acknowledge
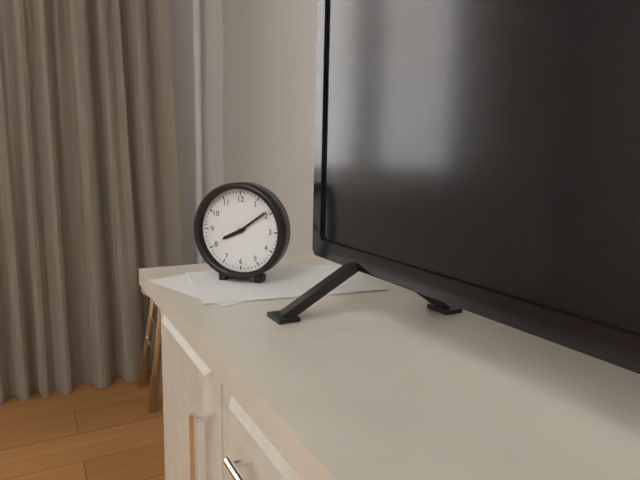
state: 8:09
